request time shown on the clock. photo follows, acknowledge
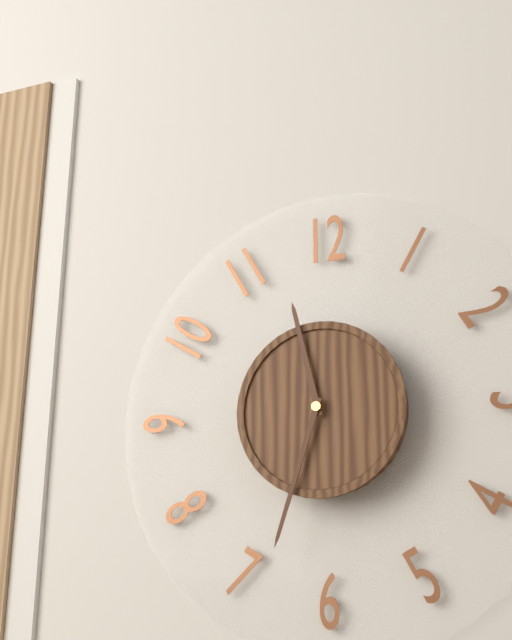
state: 11:33
